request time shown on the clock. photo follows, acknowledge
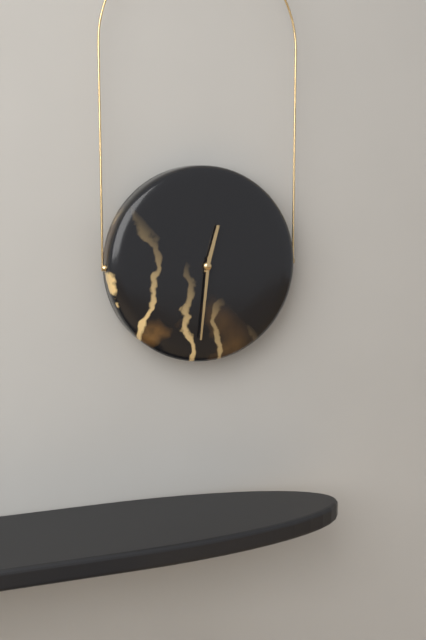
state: 12:31
